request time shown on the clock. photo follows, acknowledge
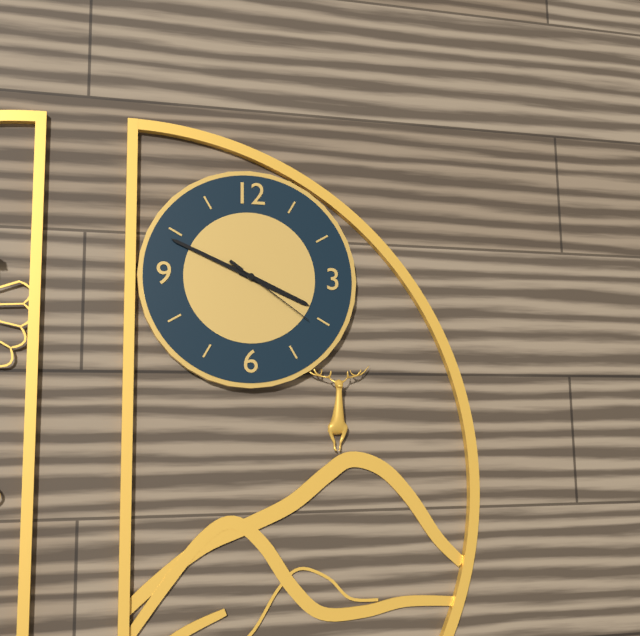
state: 3:49:21
